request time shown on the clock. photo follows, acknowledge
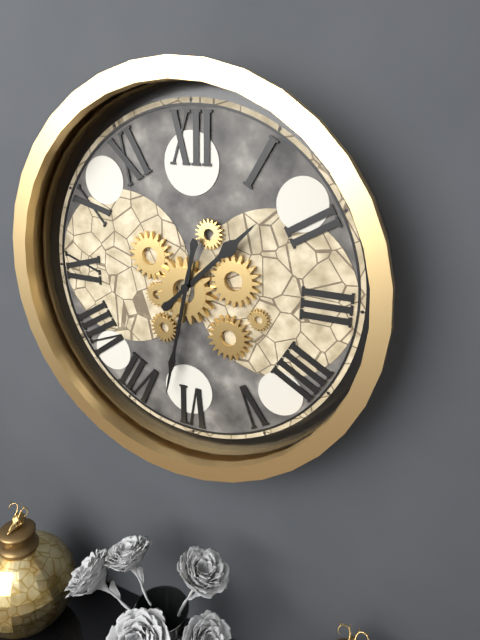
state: 1:32
